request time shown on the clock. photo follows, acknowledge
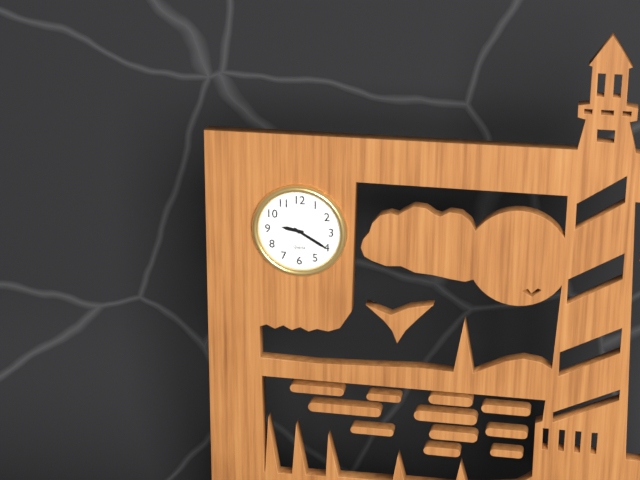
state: 9:20
